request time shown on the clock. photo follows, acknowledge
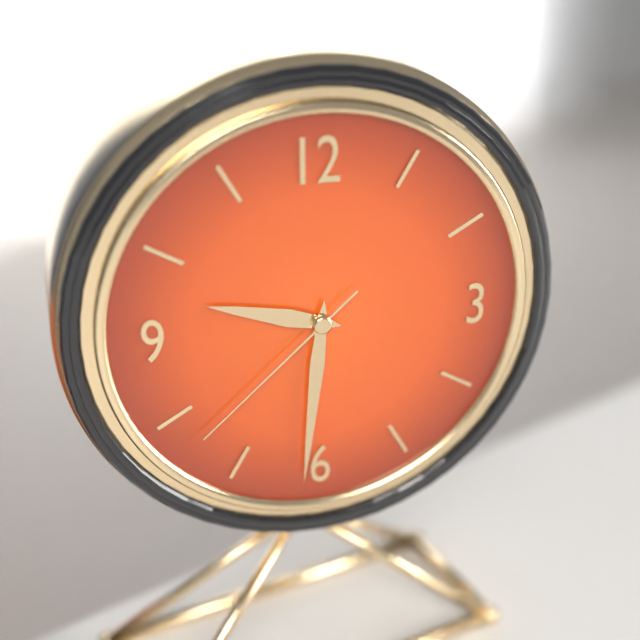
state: 9:31:38
